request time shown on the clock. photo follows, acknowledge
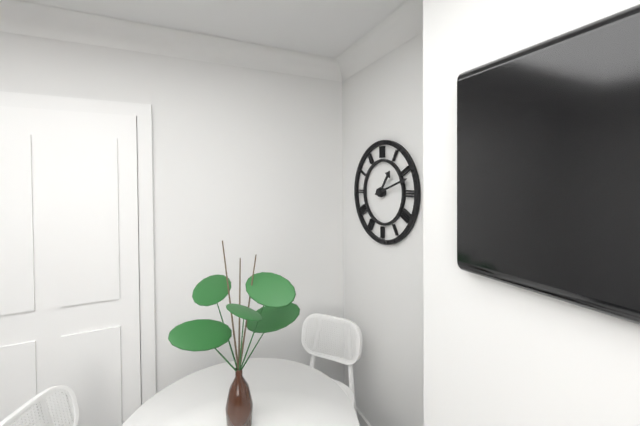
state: 1:12
